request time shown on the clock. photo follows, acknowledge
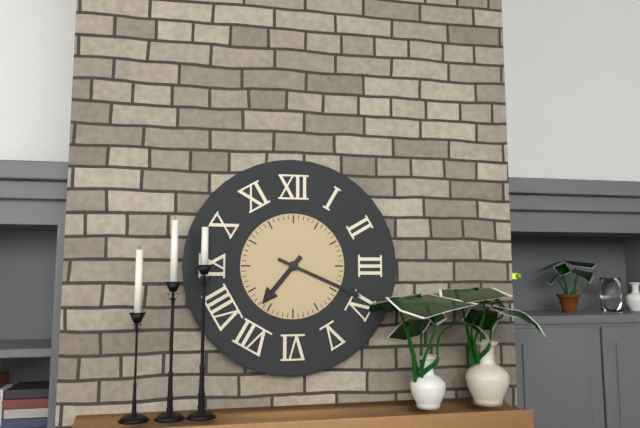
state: 7:19
